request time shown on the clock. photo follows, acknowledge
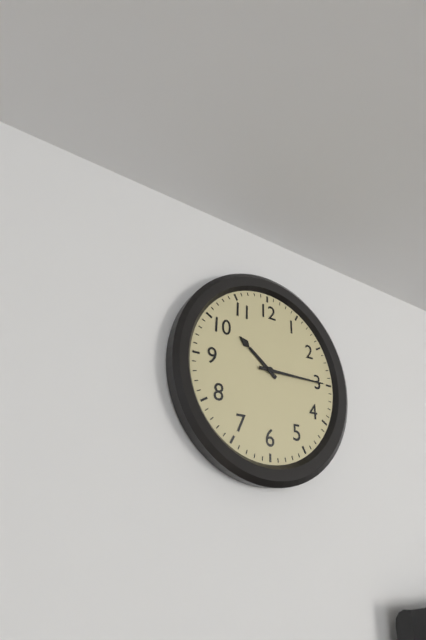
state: 10:15
